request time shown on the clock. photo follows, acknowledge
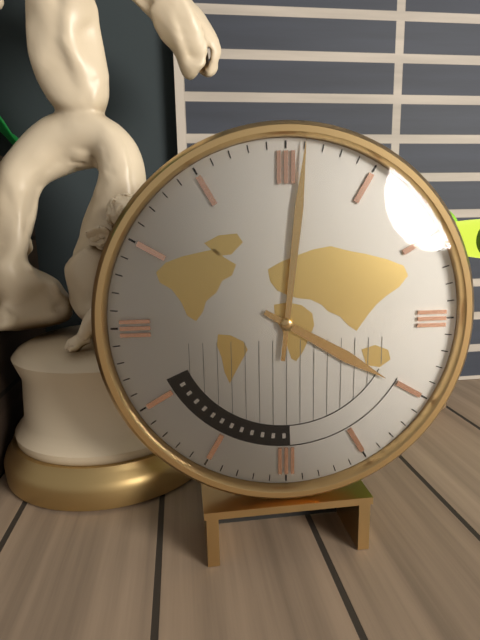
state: 4:01
